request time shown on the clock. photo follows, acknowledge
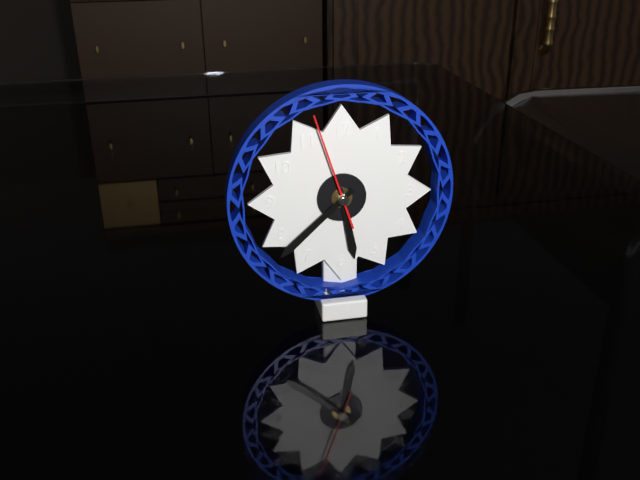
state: 5:38:57
